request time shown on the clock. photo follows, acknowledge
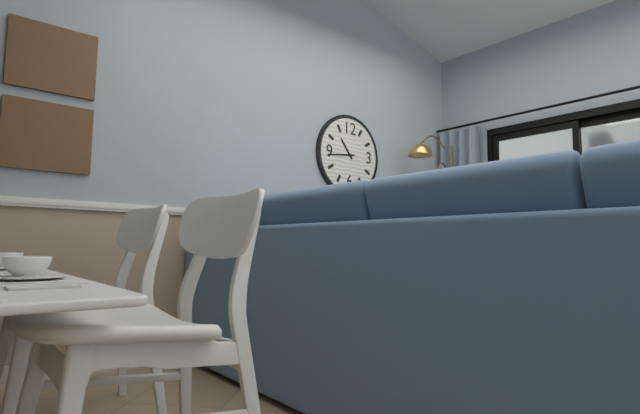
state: 10:44
